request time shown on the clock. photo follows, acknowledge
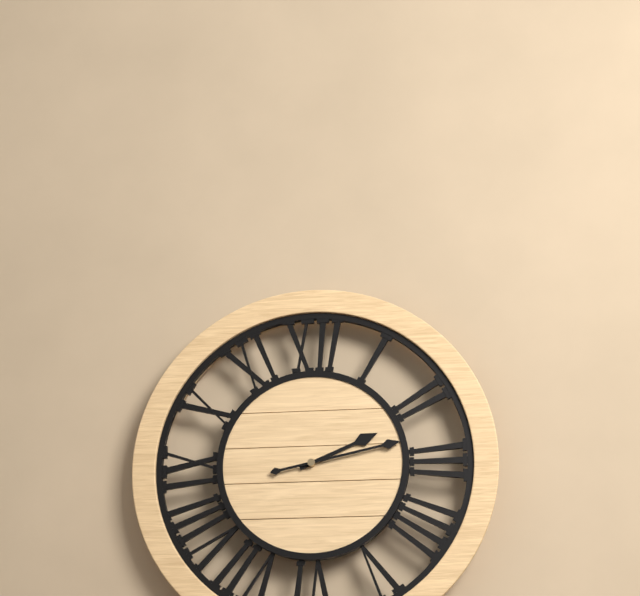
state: 2:13
